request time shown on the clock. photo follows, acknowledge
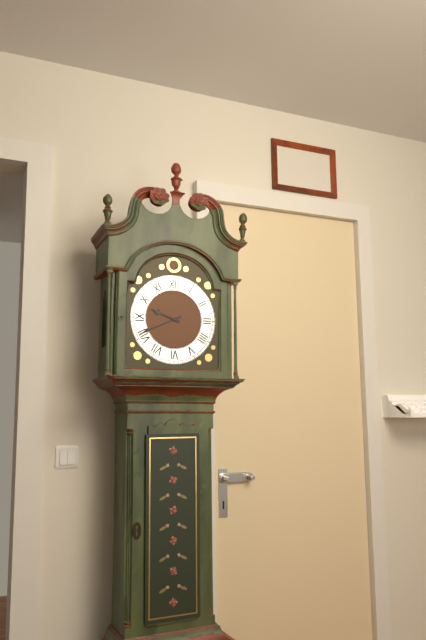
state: 9:41
